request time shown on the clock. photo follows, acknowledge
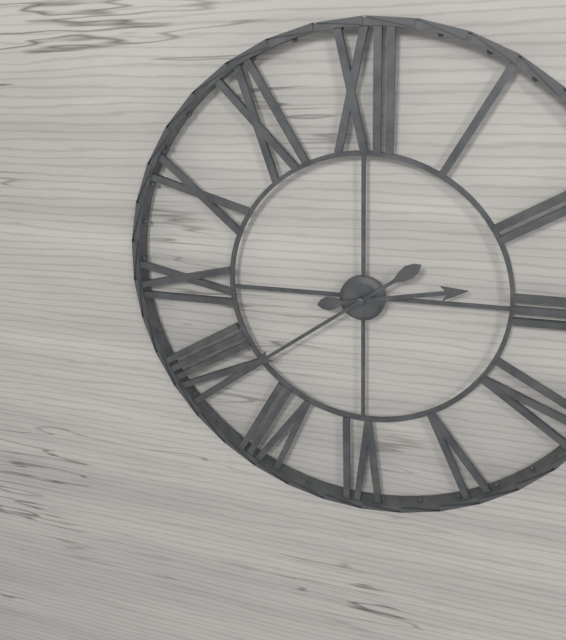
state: 2:39
